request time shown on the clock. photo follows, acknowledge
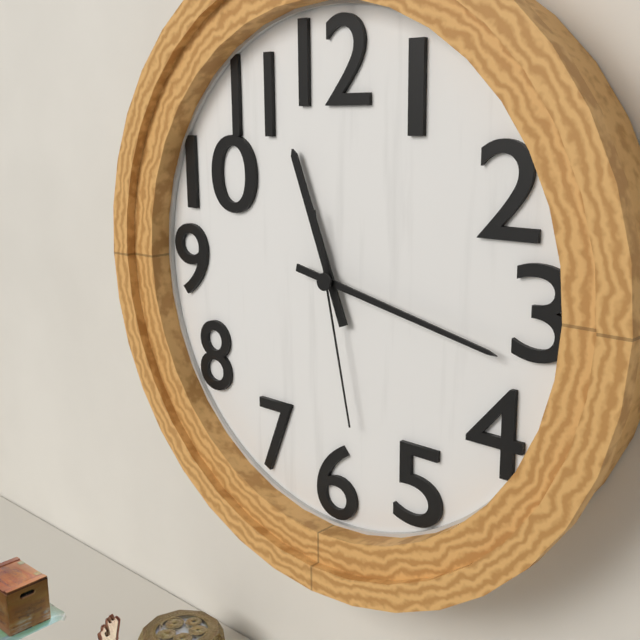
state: 11:17:28
